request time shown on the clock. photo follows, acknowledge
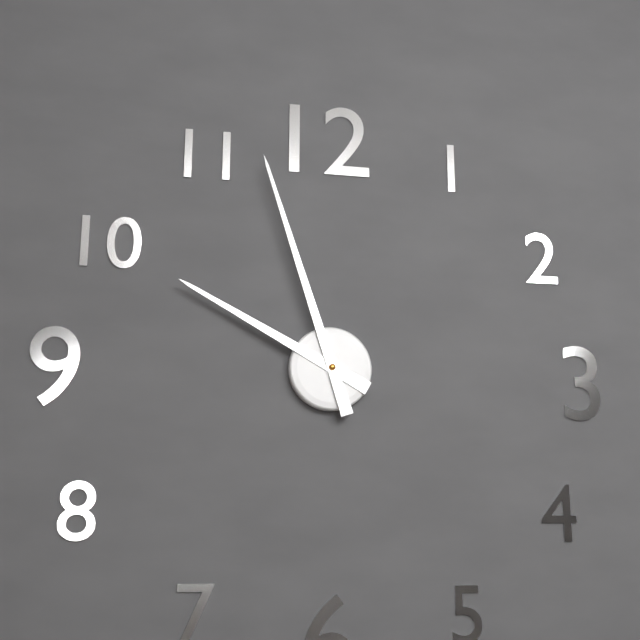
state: 9:57
